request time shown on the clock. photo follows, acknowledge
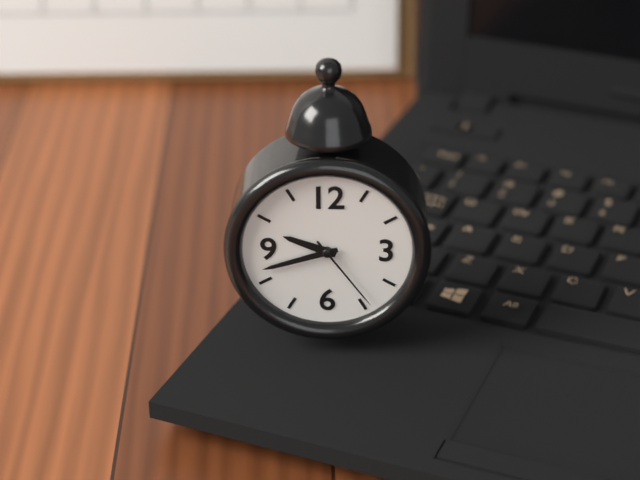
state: 9:42:24
